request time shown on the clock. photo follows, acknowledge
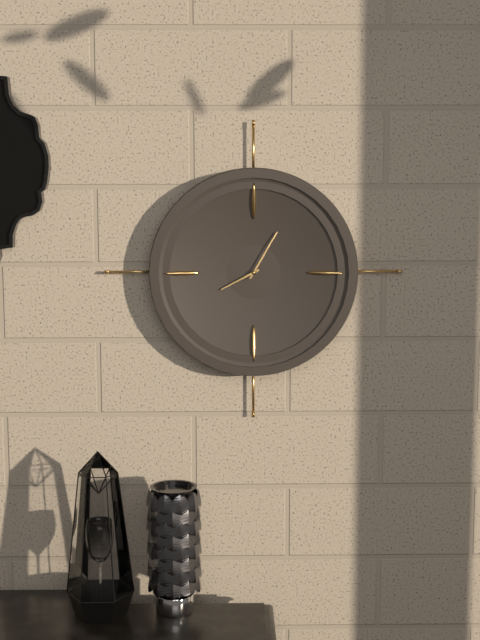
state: 8:05
